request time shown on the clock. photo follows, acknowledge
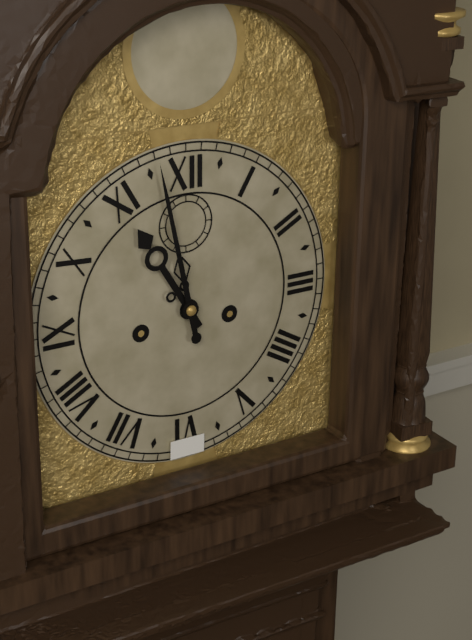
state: 10:58
